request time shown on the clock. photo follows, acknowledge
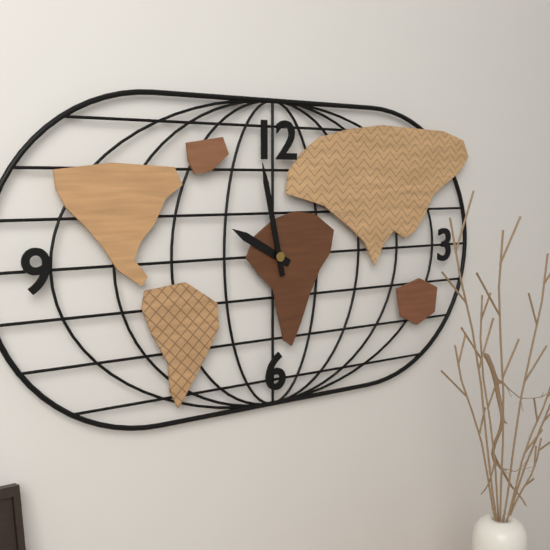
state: 9:58
